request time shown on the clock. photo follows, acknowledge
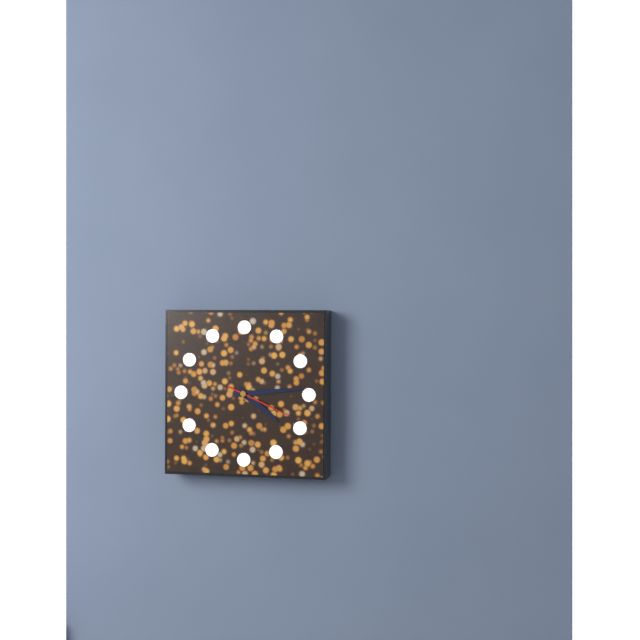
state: 4:14:19
